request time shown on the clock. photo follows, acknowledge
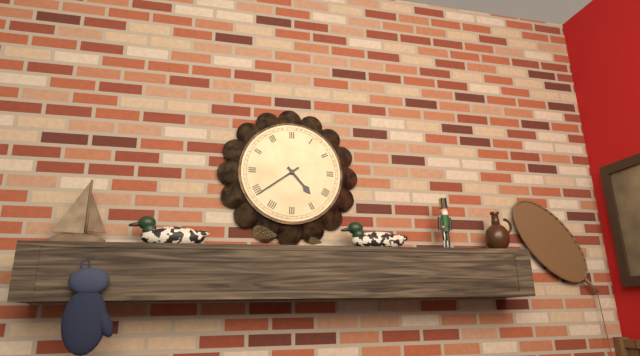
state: 4:39
